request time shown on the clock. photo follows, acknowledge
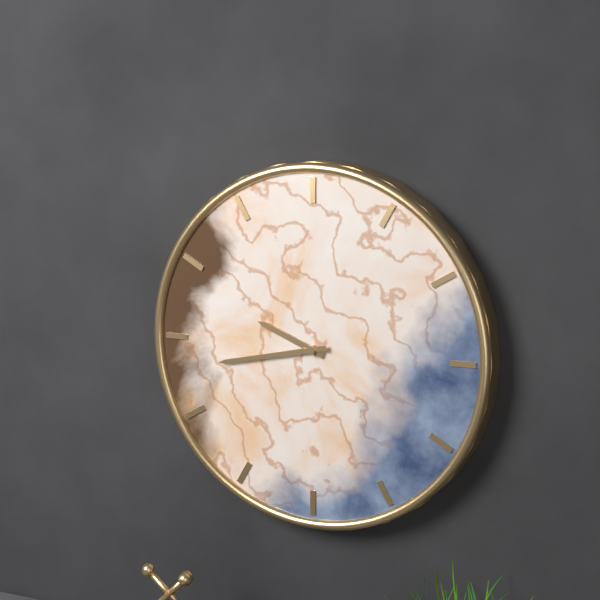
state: 9:43
